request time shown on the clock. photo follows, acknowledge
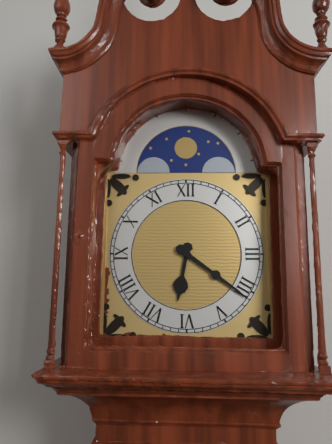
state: 6:21
